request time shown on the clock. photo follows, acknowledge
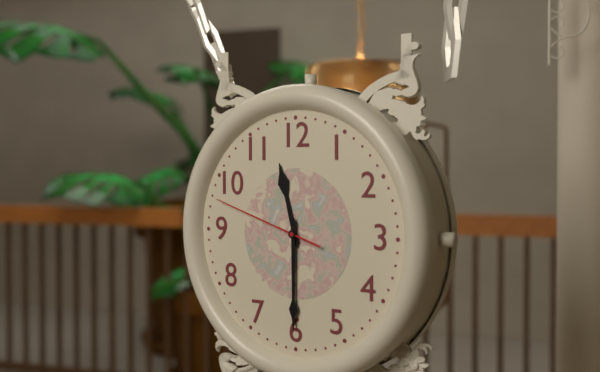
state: 11:30:48
